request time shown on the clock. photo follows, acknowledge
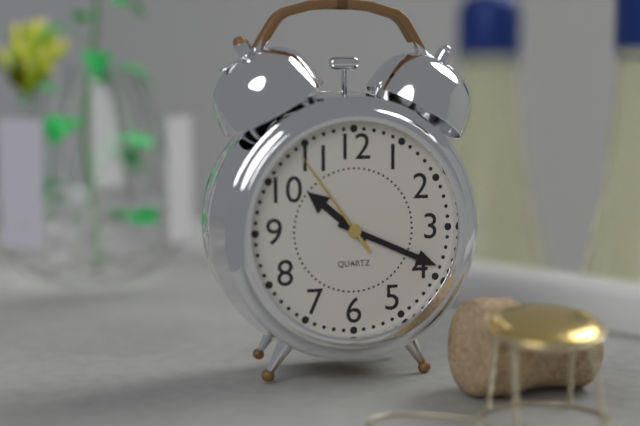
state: 10:19:54
